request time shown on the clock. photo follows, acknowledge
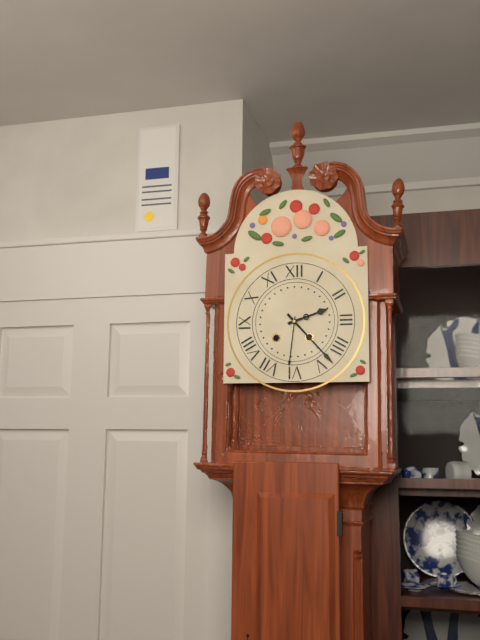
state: 2:23
